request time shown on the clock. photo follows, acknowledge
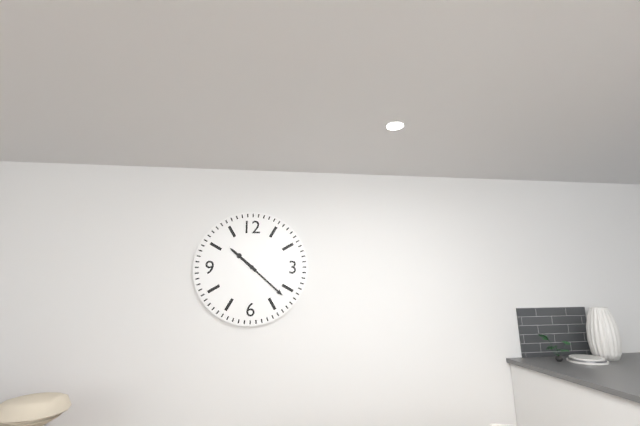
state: 10:22
